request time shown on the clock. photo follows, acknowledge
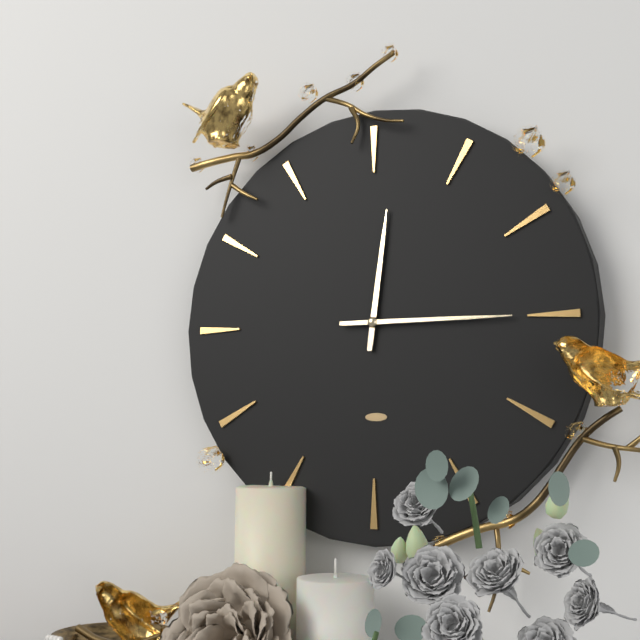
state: 12:15
